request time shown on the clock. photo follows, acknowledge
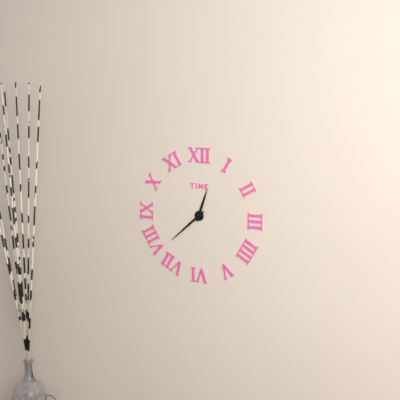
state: 12:38
